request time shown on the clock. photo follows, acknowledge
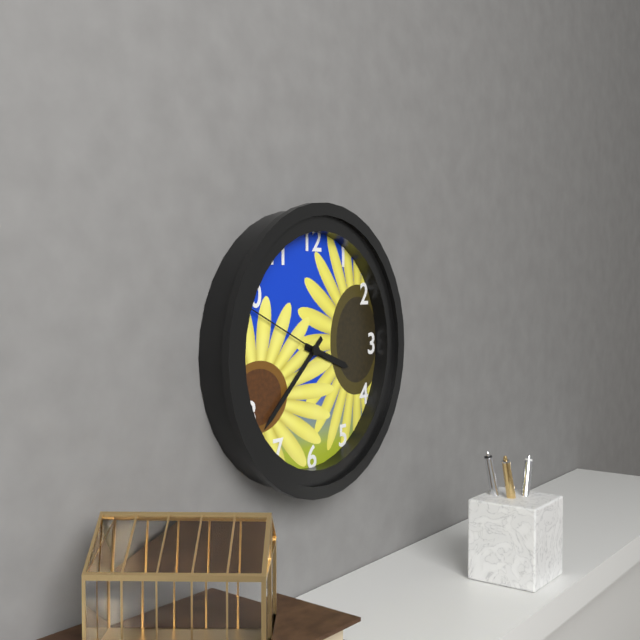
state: 3:38:49
